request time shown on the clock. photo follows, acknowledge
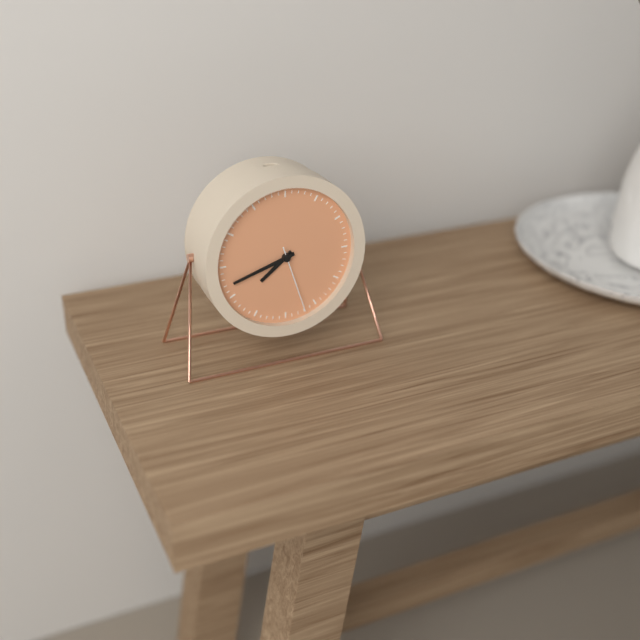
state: 7:42:27
